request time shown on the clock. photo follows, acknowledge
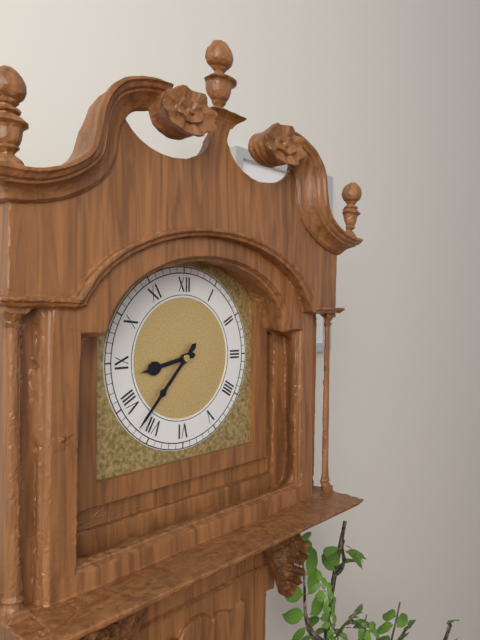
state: 8:37
